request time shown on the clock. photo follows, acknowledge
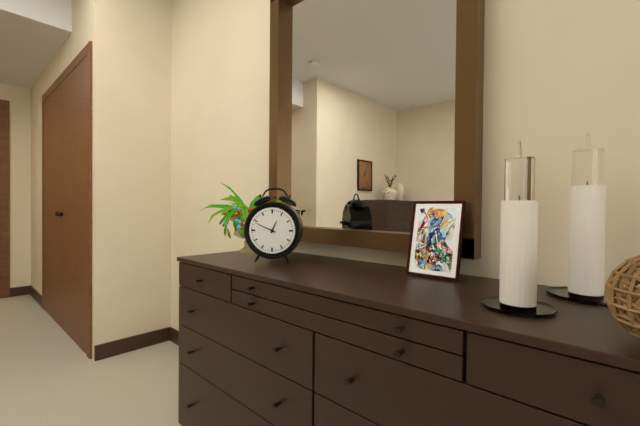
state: 12:49
